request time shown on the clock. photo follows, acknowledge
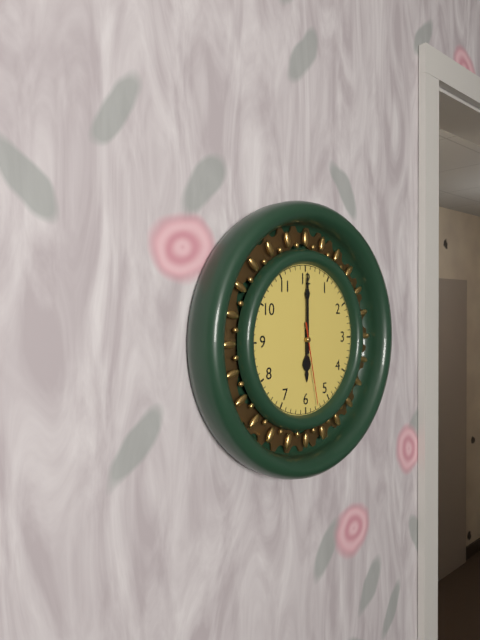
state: 6:00:28
